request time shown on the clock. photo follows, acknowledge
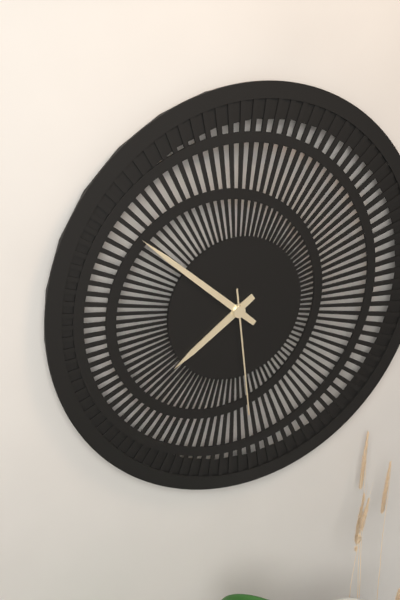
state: 7:52:29
